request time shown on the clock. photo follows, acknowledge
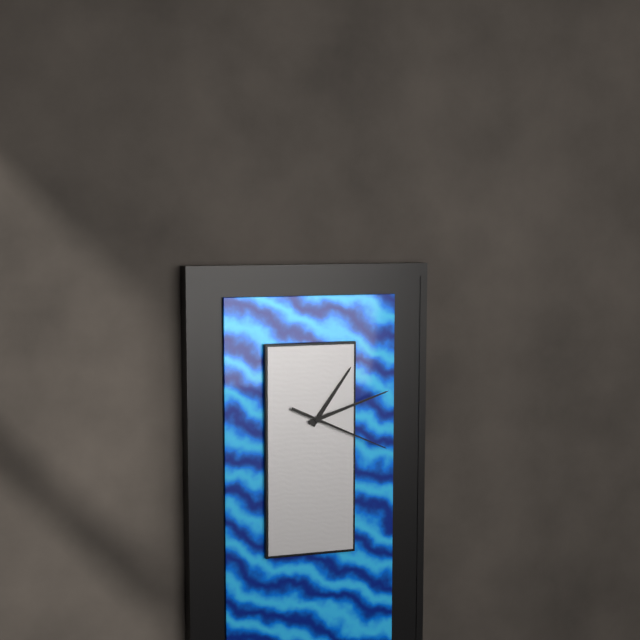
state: 1:12:19
